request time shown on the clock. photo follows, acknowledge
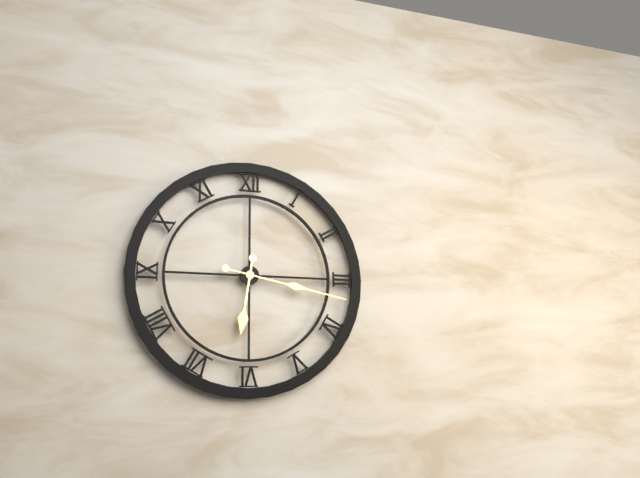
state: 6:17
